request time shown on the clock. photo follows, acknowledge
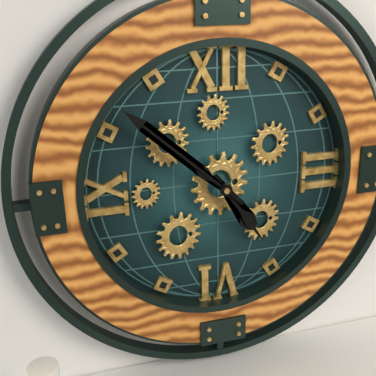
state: 4:52
